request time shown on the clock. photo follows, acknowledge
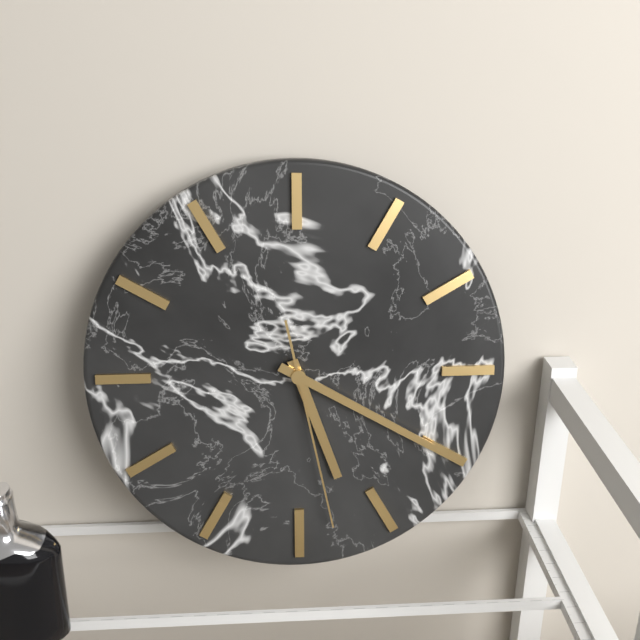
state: 5:20:28
